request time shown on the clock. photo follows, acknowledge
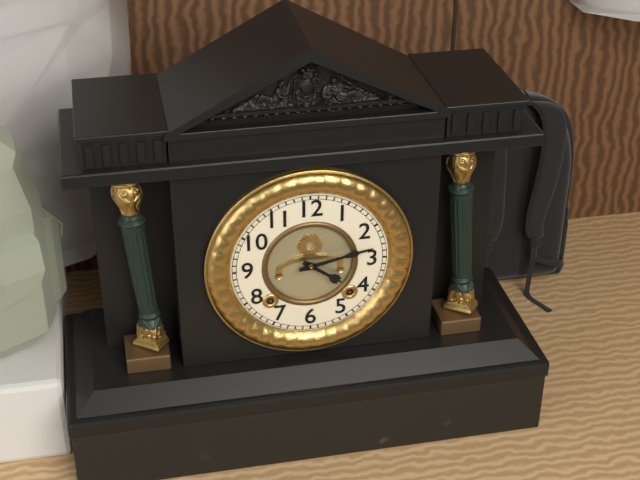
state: 4:13
